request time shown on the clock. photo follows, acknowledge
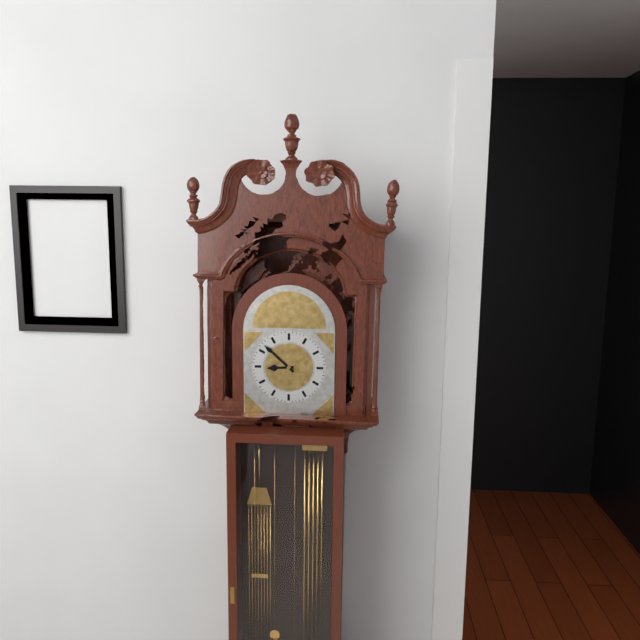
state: 8:52
